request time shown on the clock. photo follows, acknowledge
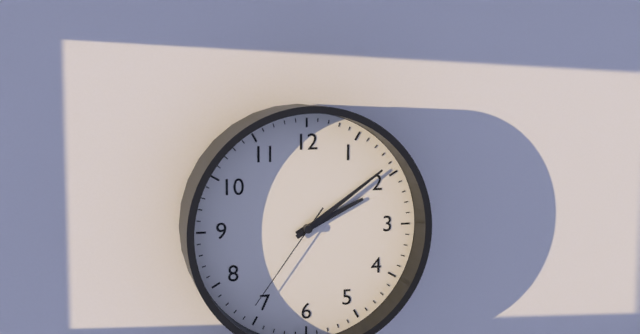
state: 2:09:36
